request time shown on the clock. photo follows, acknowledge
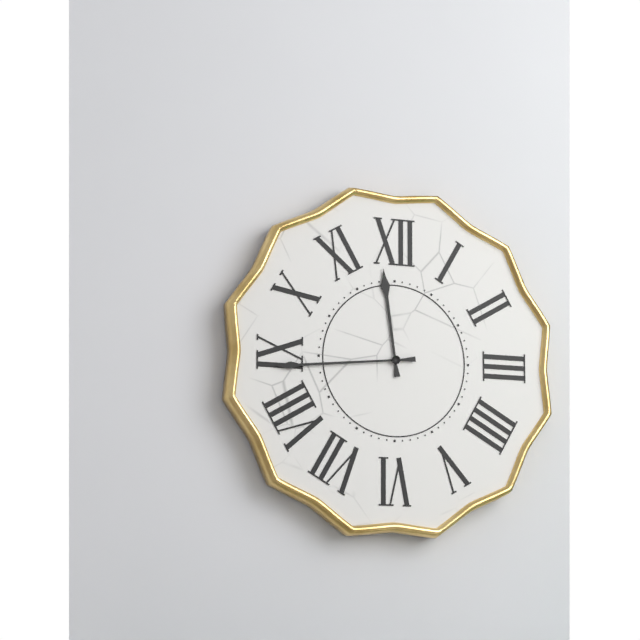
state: 11:44
